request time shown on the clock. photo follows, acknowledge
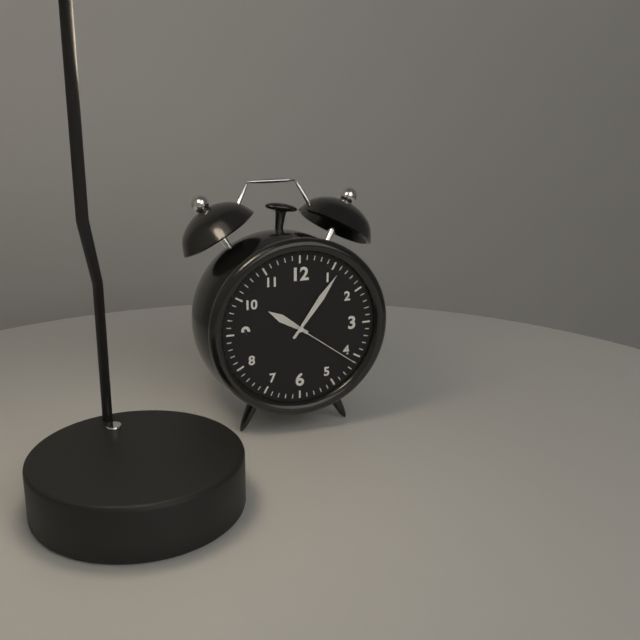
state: 10:06:21
